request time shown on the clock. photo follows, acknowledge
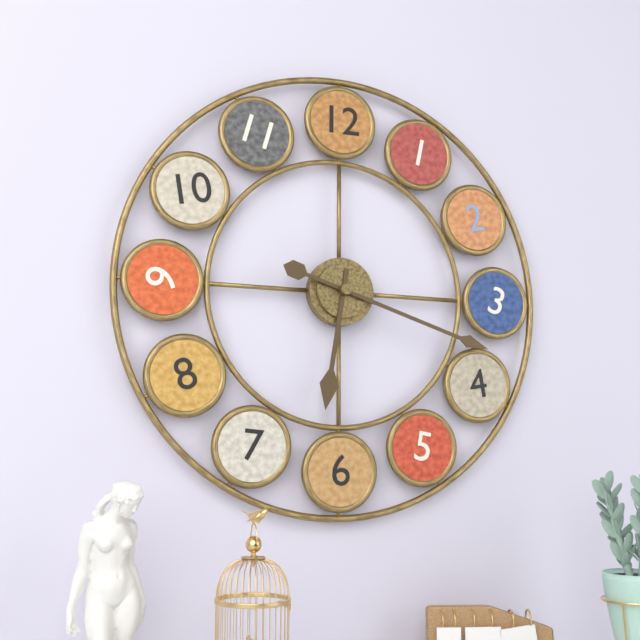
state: 6:18
